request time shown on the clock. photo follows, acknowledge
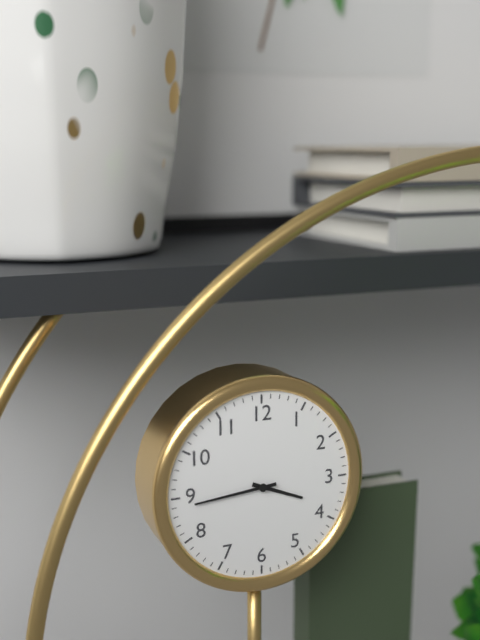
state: 3:44
